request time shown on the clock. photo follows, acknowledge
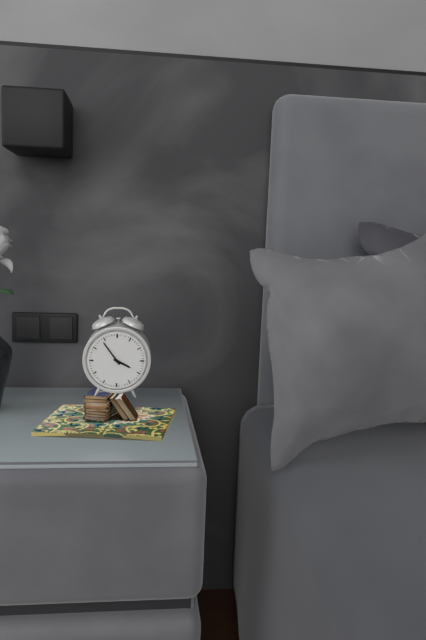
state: 3:54
